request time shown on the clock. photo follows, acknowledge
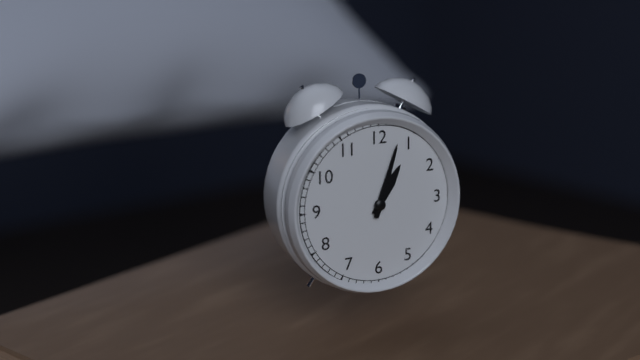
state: 1:03
